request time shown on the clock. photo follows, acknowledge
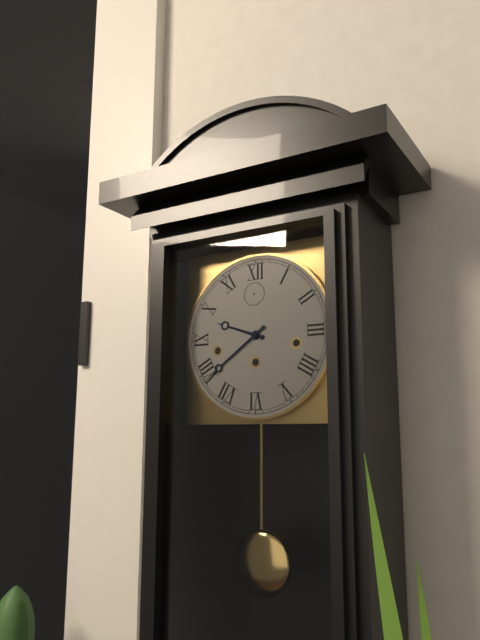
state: 9:39
